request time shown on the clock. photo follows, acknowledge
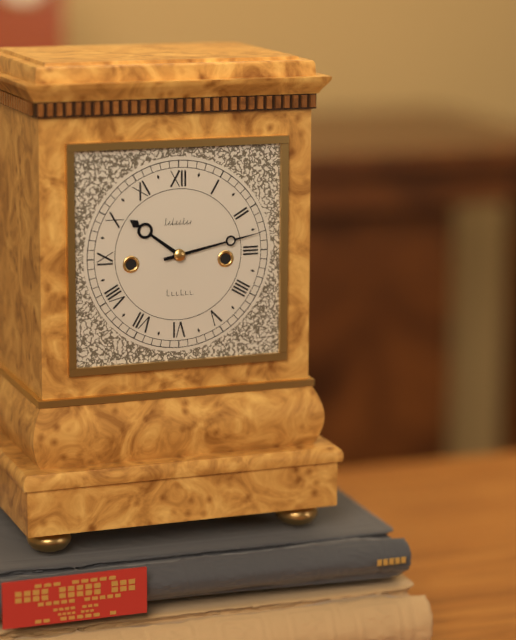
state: 10:13
